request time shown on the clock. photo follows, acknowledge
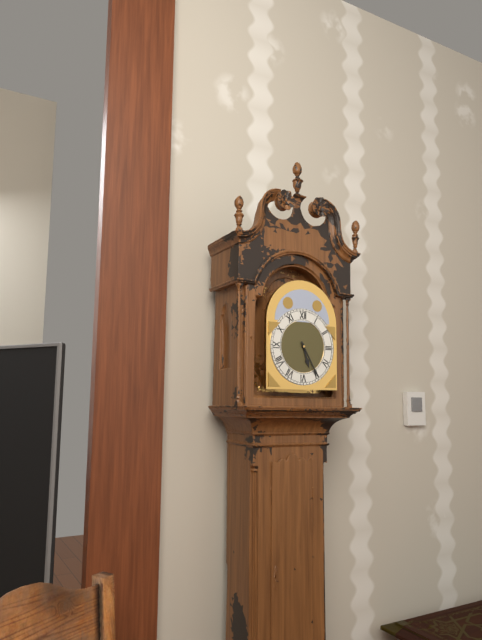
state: 5:25
